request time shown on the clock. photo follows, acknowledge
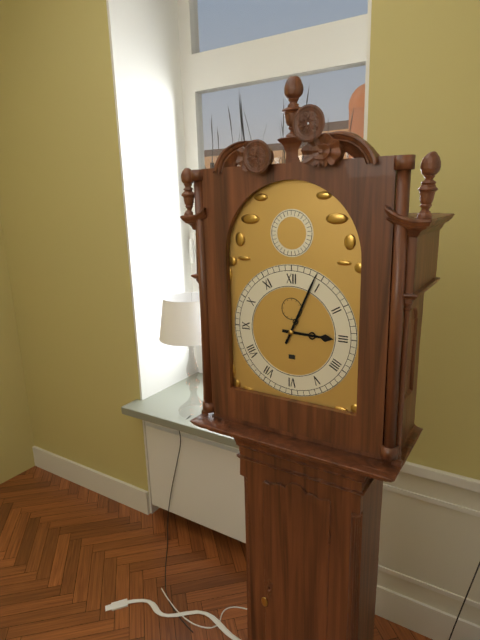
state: 3:04
